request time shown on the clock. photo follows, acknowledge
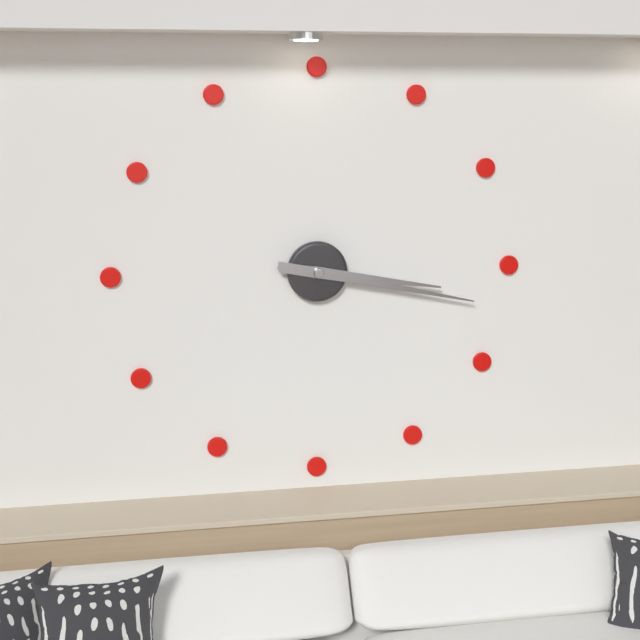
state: 3:17
